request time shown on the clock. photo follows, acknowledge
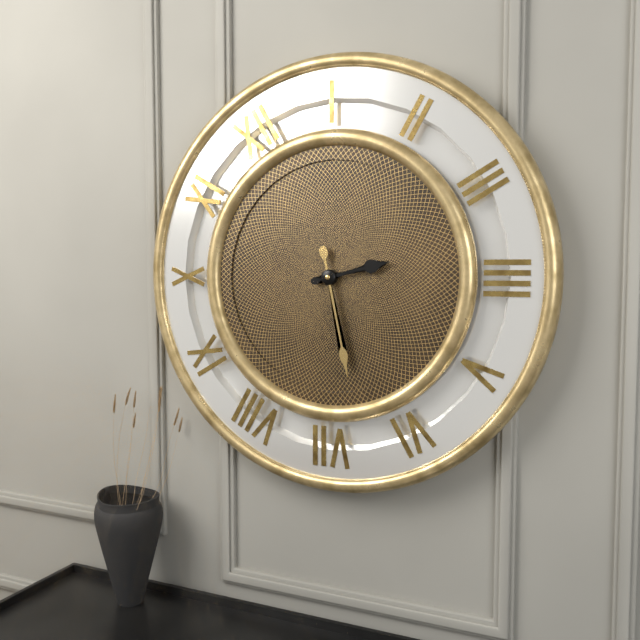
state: 3:33
